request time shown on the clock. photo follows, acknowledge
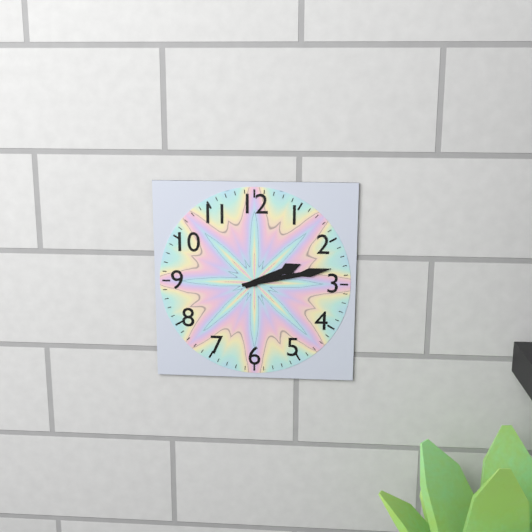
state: 2:13
